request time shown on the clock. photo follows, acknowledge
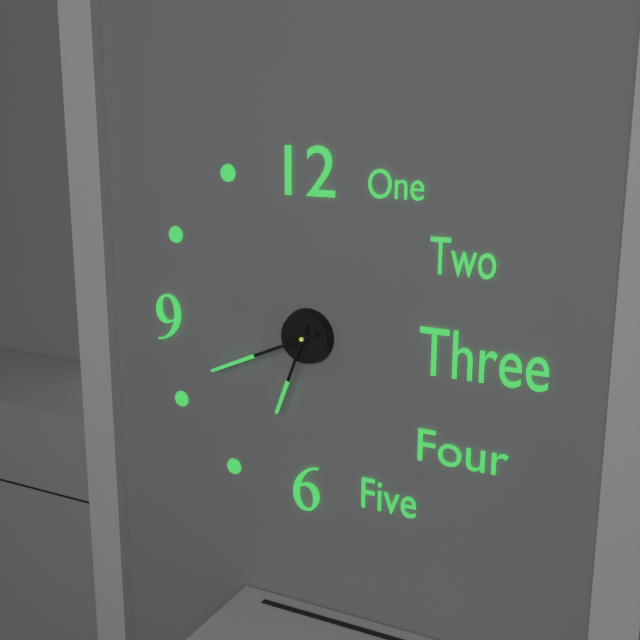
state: 6:41
